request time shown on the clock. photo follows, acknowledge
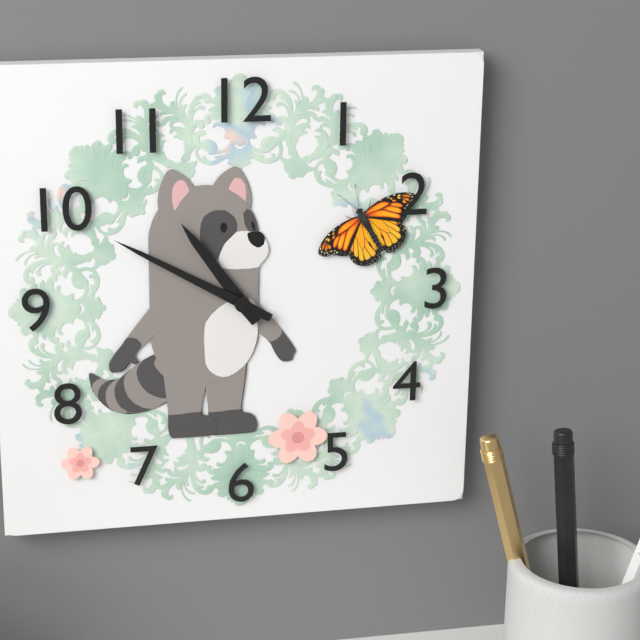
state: 10:50
